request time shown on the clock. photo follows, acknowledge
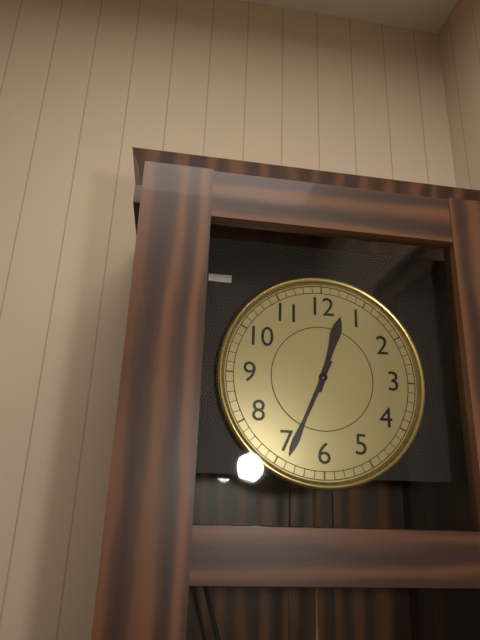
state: 12:34
